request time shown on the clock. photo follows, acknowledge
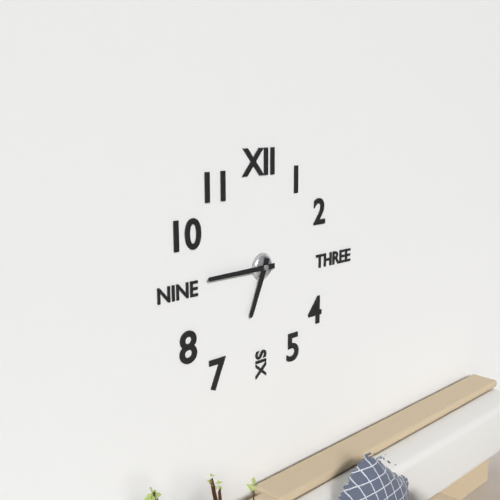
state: 6:45
